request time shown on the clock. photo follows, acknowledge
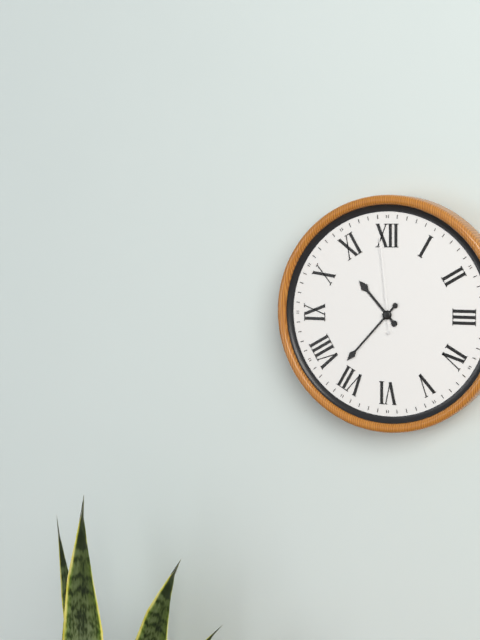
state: 10:37:59
